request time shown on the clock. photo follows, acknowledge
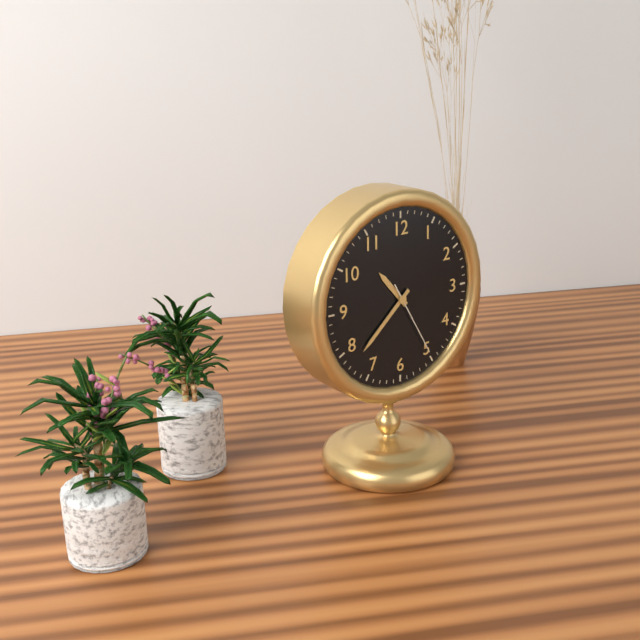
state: 10:38:25
